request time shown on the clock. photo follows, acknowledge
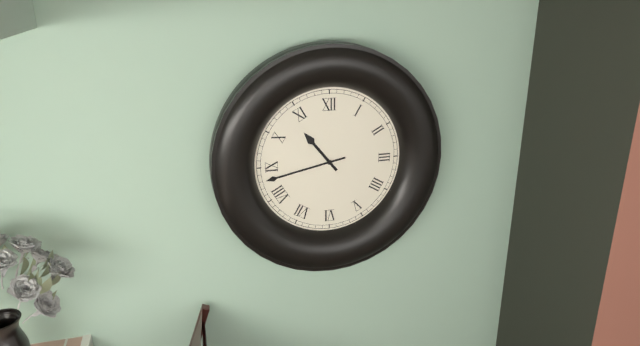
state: 10:43
